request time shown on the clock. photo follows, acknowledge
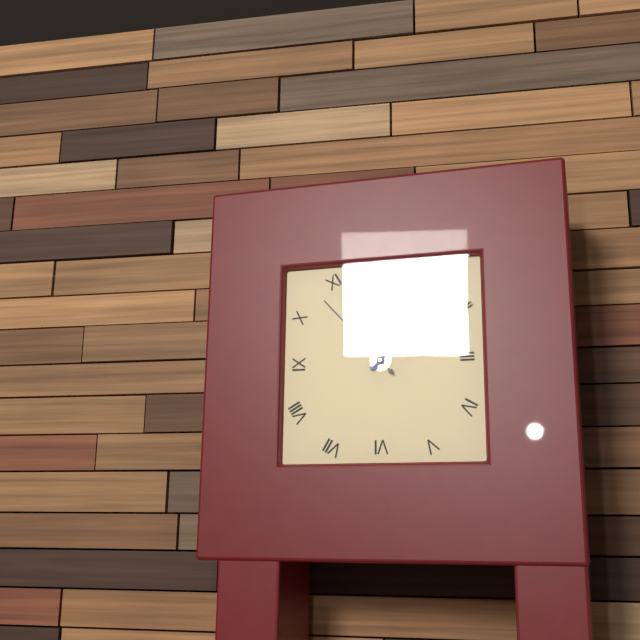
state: 1:08:53
